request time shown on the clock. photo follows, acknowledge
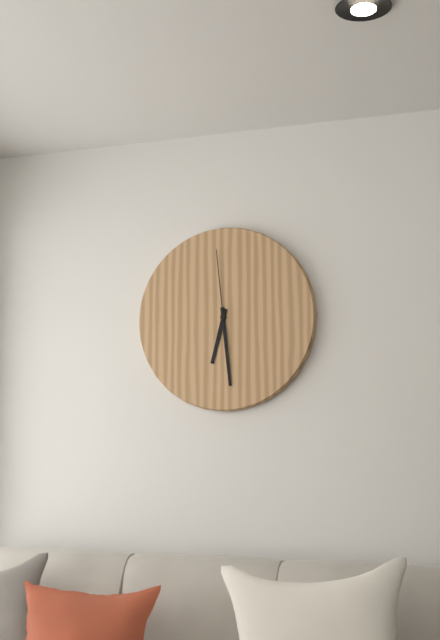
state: 6:29:59
